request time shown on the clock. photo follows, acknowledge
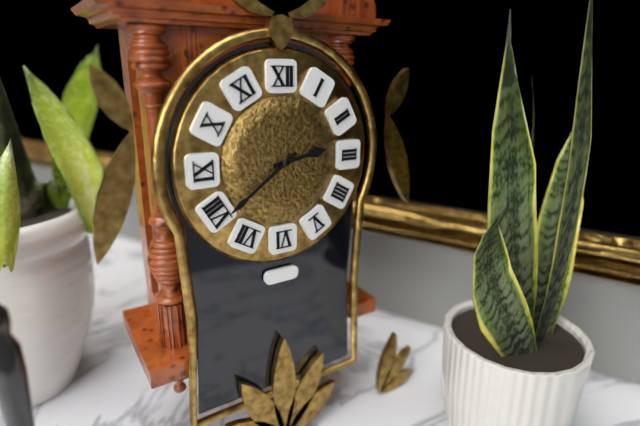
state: 2:39
